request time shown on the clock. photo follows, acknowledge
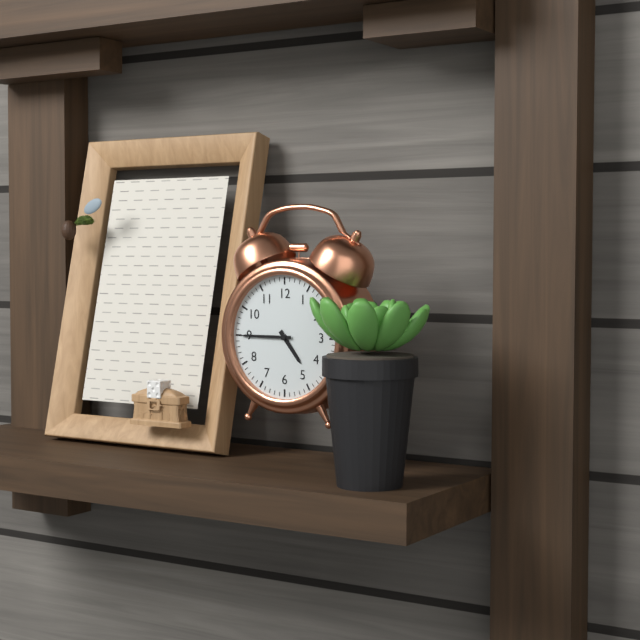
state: 4:45
